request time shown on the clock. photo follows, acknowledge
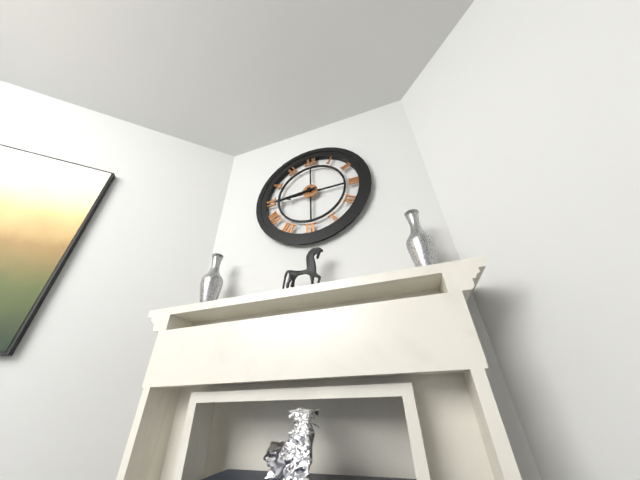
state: 8:44
